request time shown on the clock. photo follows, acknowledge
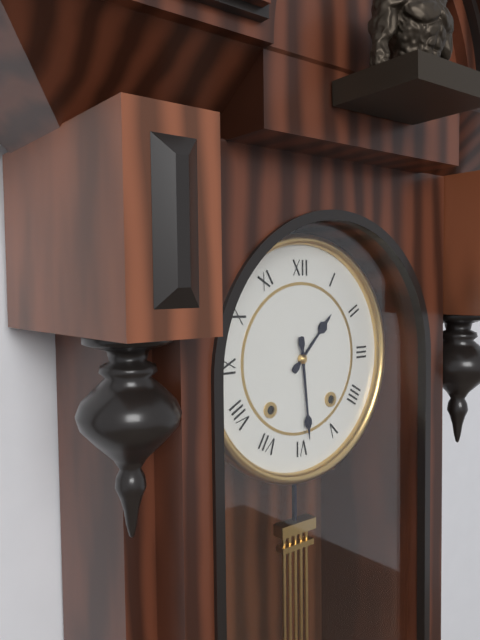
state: 1:29
